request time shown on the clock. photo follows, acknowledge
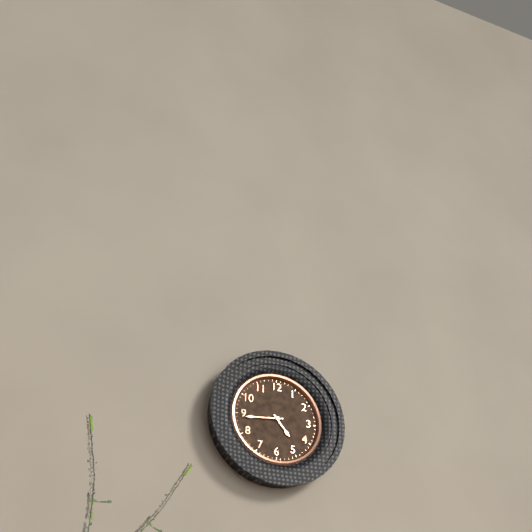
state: 4:44
